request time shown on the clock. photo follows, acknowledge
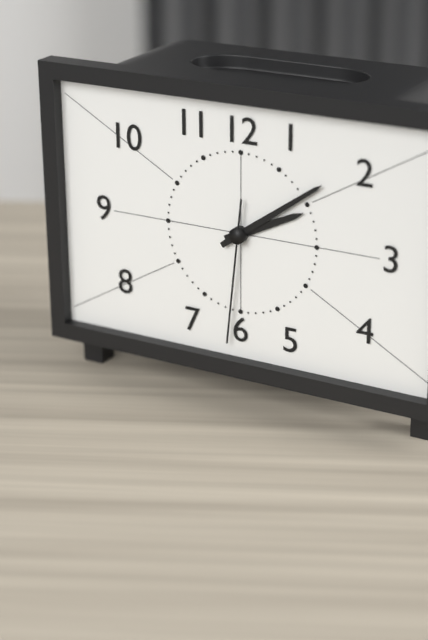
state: 2:09:31
